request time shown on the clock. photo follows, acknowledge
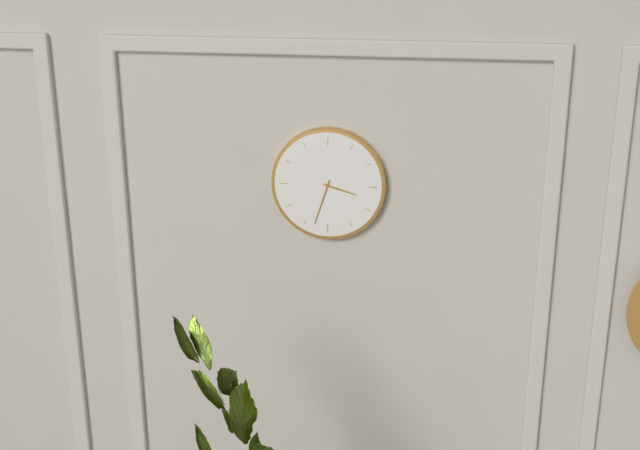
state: 3:33
